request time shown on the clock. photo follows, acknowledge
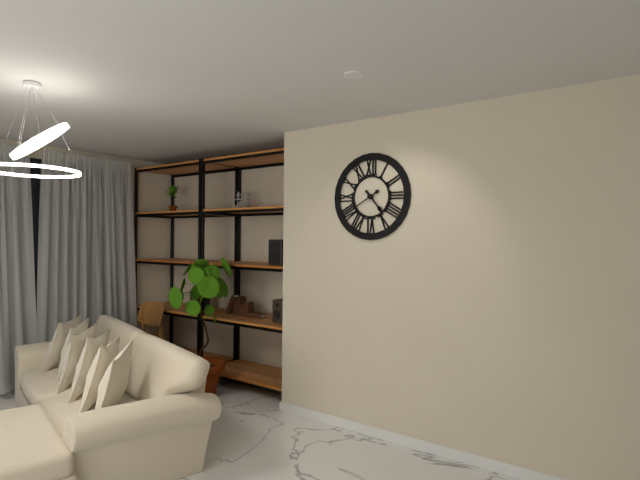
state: 4:40
